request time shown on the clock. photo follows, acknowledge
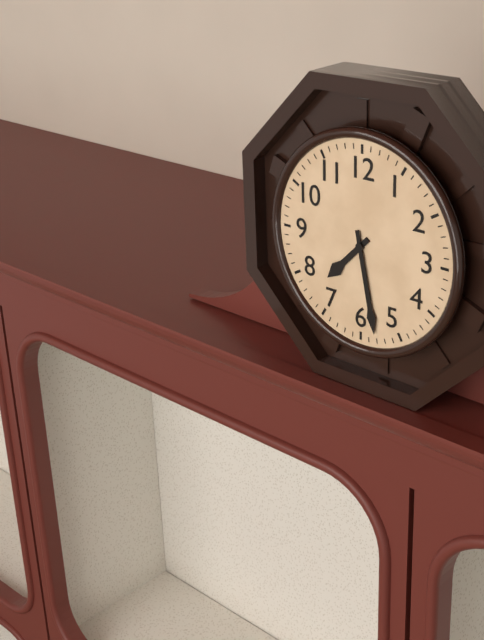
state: 7:28
